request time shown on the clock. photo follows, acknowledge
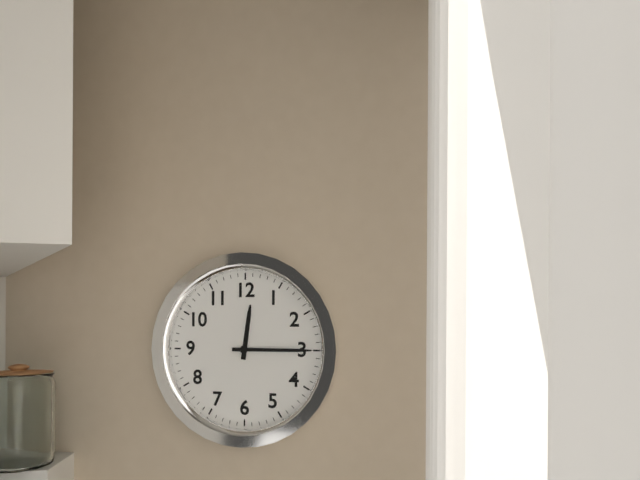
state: 12:15
